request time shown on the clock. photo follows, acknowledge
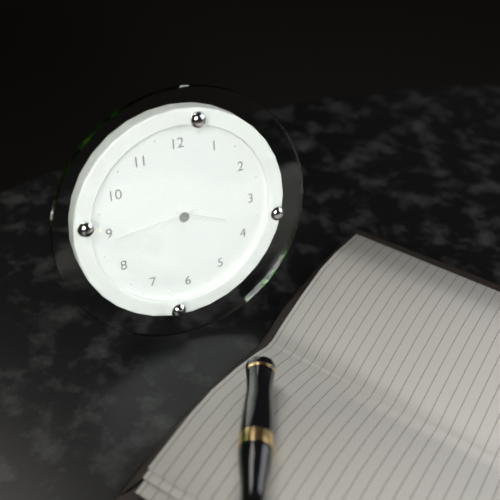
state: 3:44
